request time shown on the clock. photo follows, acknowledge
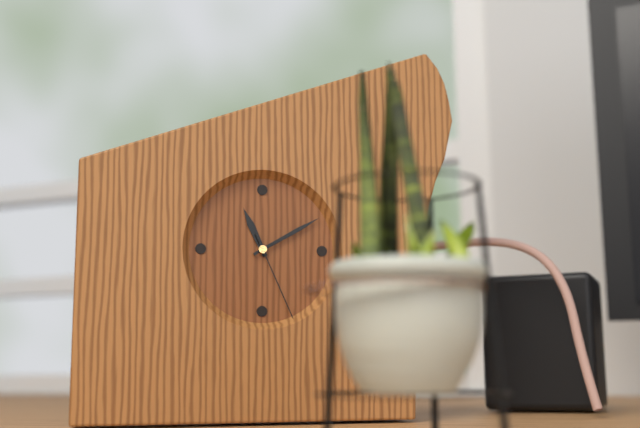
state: 11:10:26
